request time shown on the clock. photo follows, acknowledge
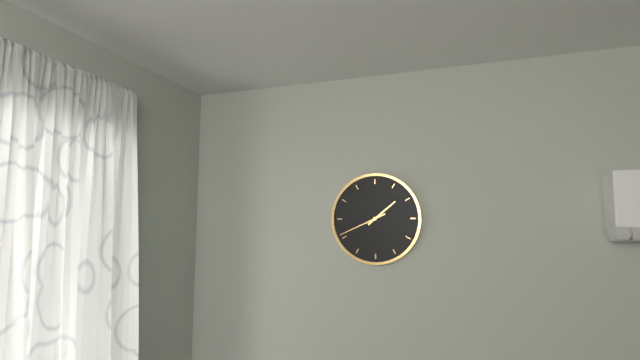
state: 1:41
